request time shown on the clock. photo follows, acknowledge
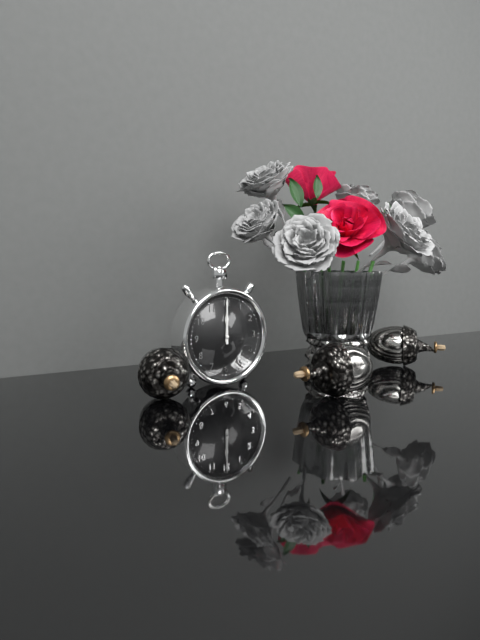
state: 12:00
